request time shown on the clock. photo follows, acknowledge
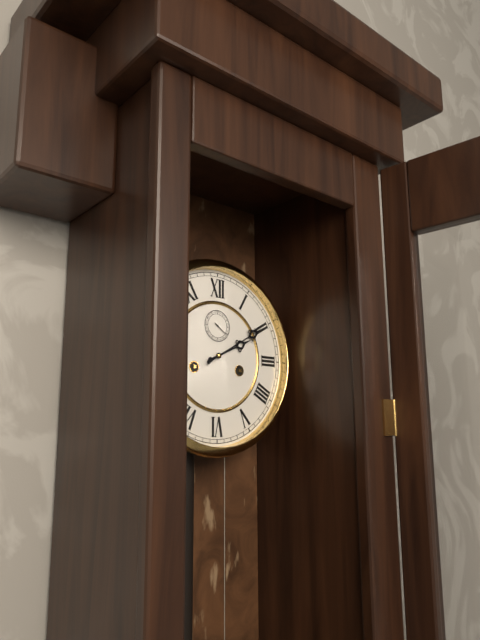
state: 2:10
